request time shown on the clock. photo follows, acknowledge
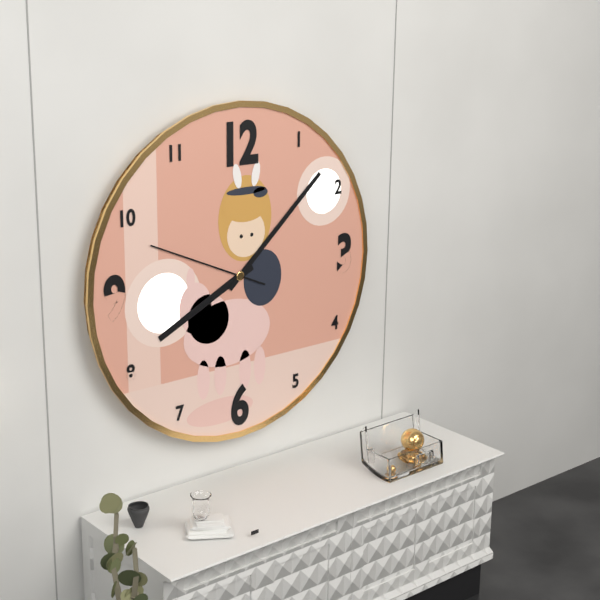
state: 8:08:49
